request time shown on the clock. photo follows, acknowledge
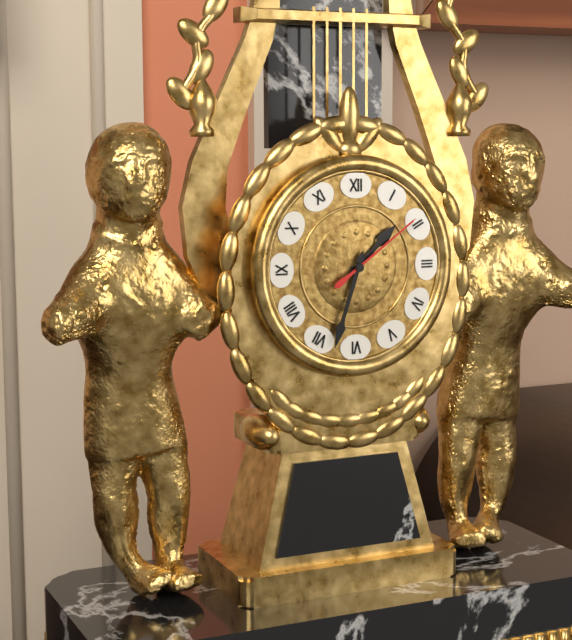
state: 1:33:09
